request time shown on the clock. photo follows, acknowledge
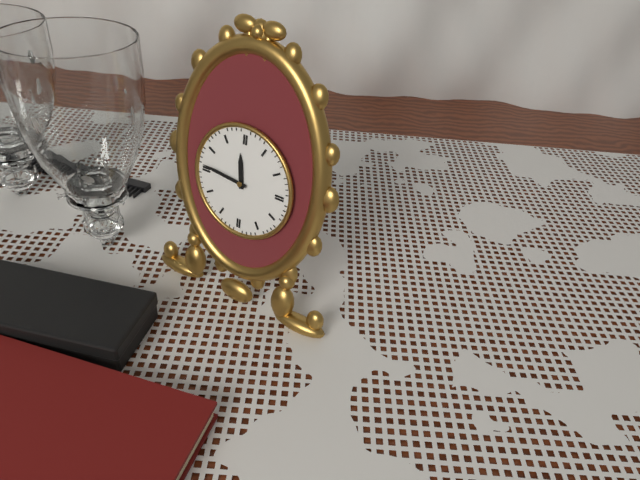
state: 11:46
